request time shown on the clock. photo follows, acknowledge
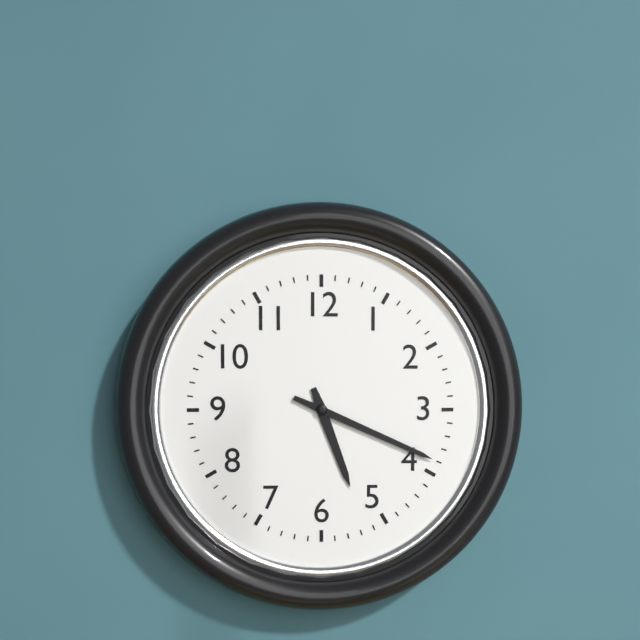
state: 5:19
